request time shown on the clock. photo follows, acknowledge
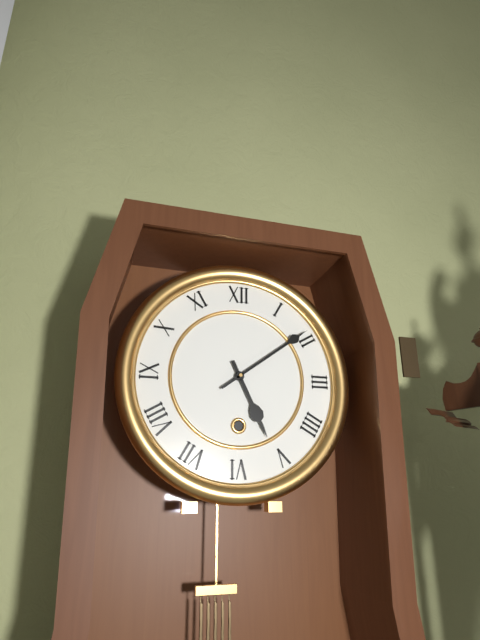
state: 5:09
